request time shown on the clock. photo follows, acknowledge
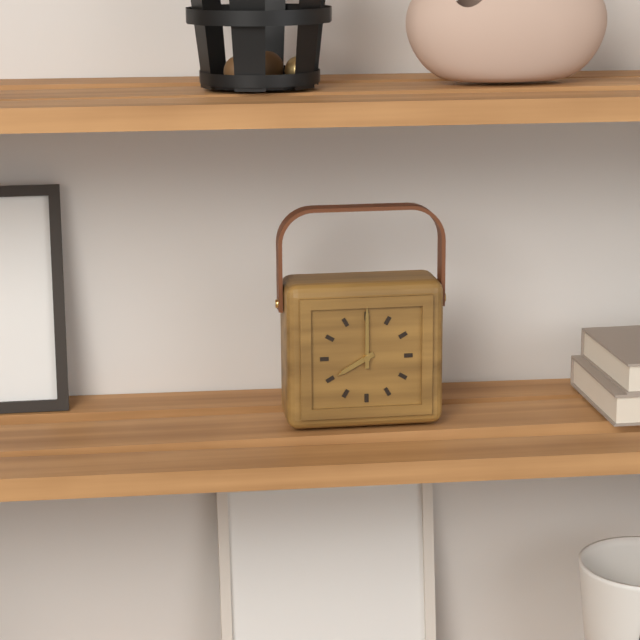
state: 8:00
